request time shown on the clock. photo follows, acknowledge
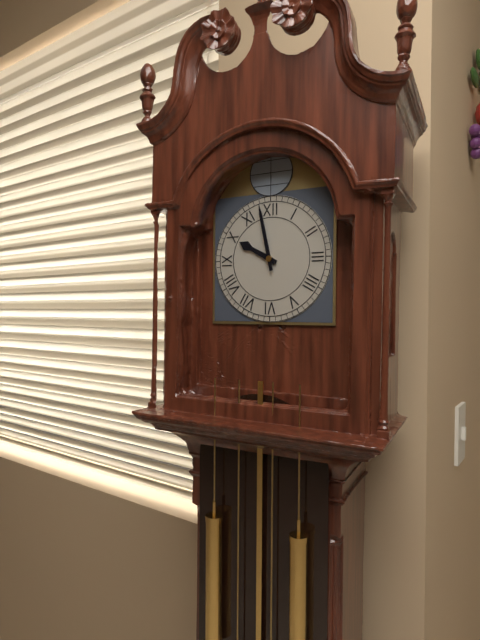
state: 9:58
